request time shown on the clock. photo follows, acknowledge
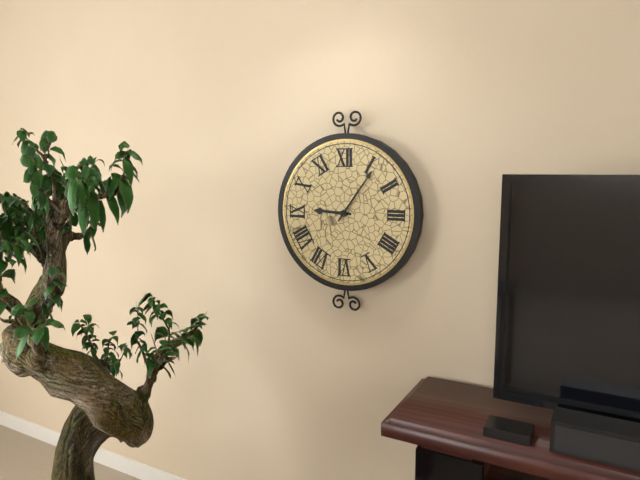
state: 9:06
